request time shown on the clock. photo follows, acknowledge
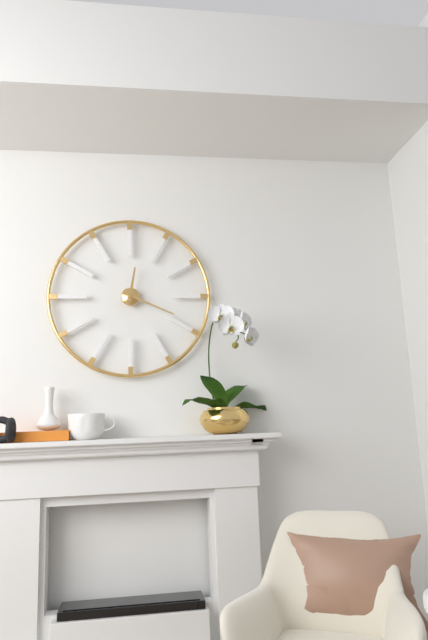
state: 12:19
